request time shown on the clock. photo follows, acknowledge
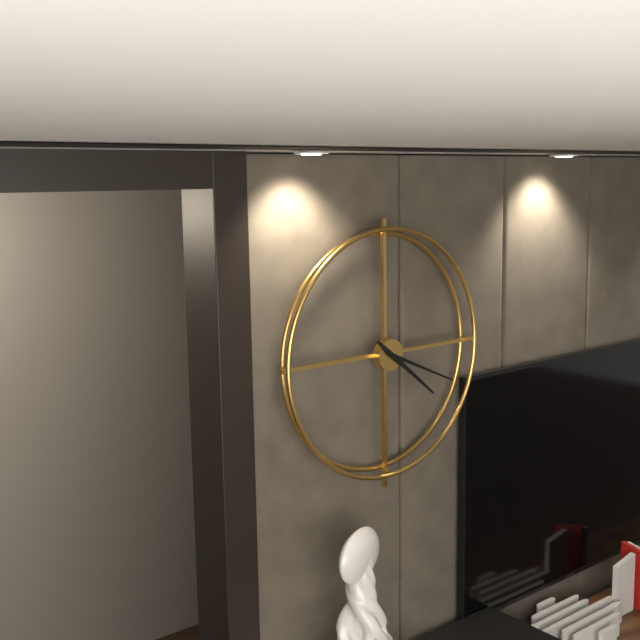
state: 4:19
